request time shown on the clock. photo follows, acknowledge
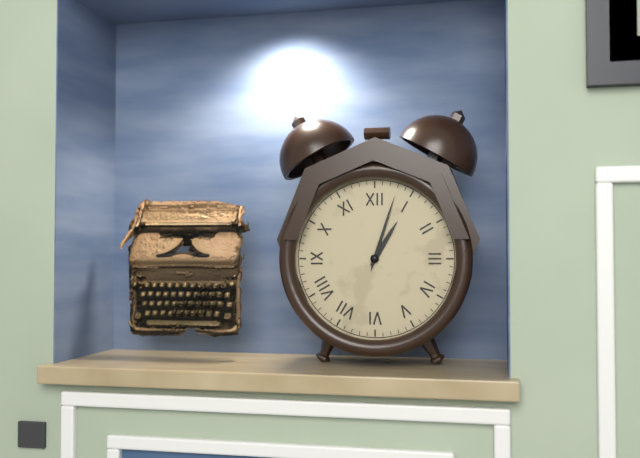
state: 1:03
